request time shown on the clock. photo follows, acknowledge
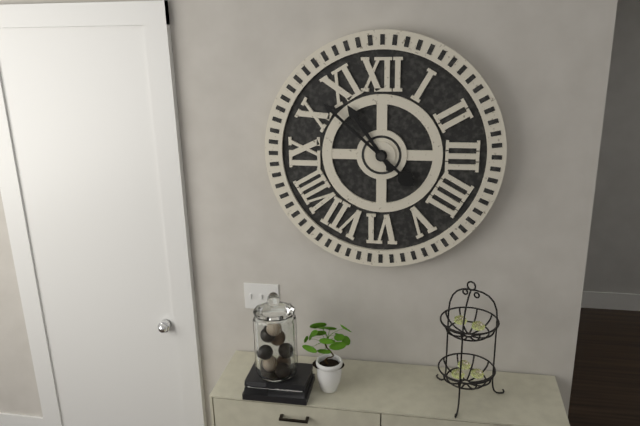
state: 10:52
